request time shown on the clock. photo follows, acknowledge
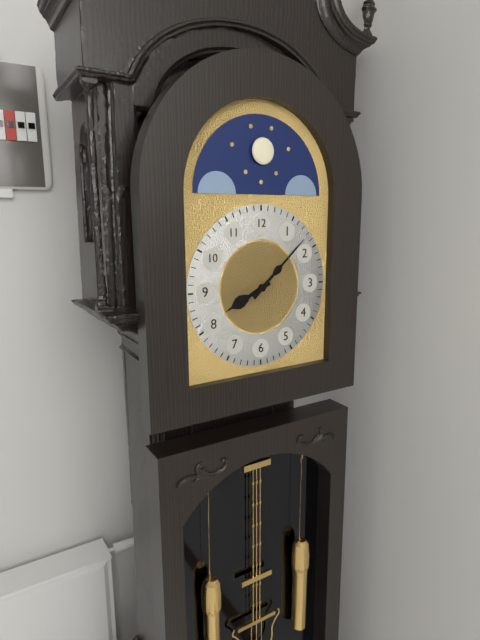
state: 8:08
